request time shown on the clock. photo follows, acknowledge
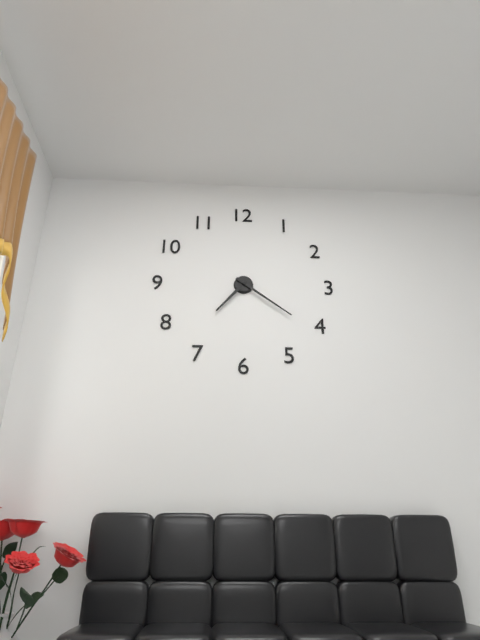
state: 7:21
